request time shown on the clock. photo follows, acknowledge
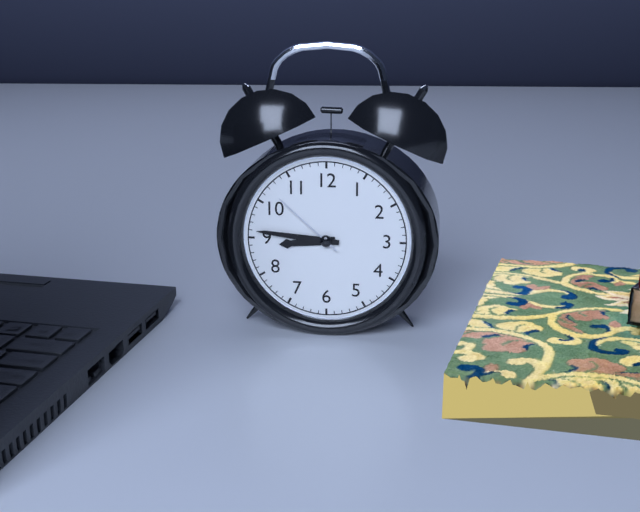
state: 8:46:52
